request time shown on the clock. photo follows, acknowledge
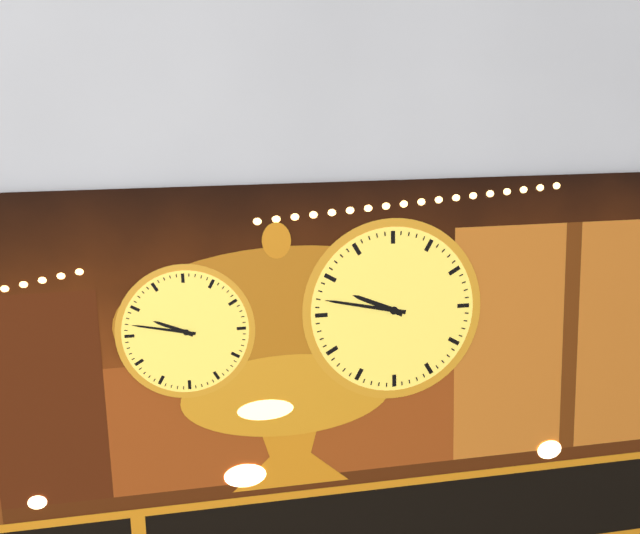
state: 9:47
